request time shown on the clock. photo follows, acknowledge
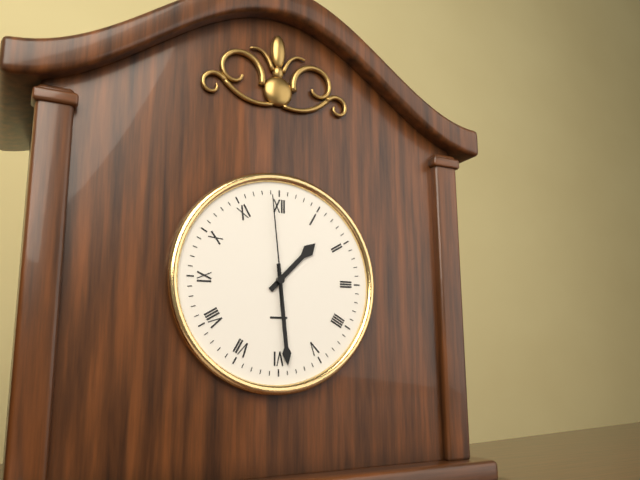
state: 1:29:59
